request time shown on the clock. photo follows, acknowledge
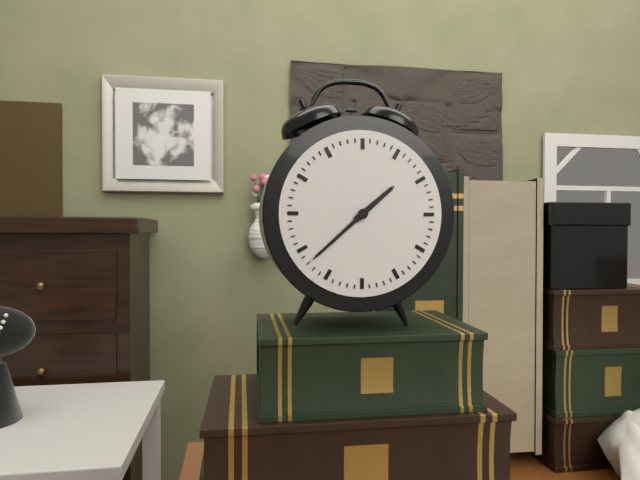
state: 1:38
